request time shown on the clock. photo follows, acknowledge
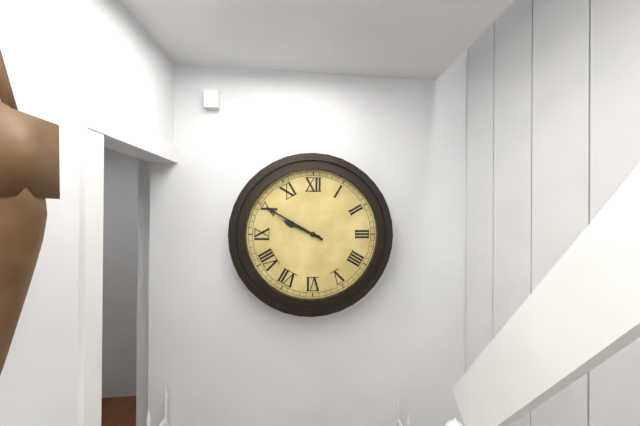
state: 9:50
